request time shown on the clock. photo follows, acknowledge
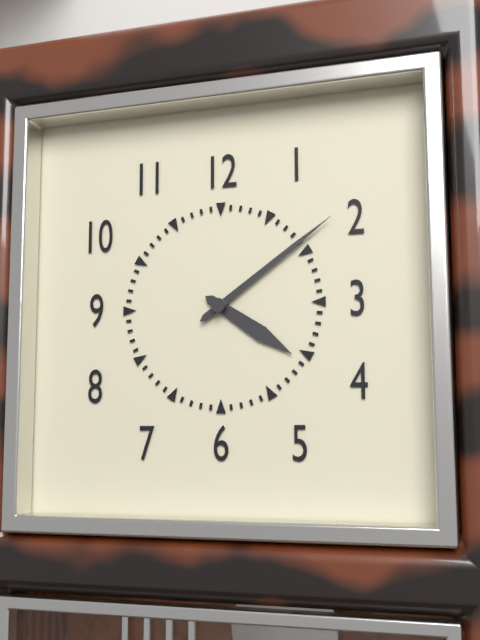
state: 4:09
